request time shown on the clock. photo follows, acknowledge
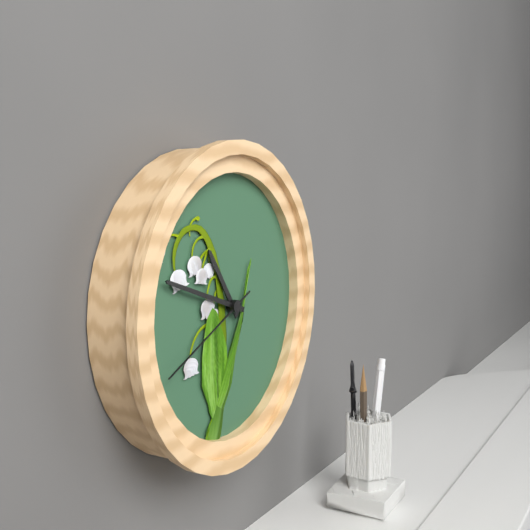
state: 10:48:41
